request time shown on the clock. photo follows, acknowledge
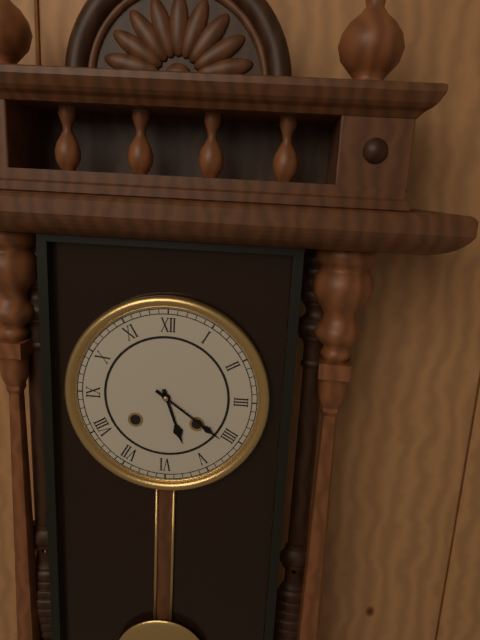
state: 5:21
